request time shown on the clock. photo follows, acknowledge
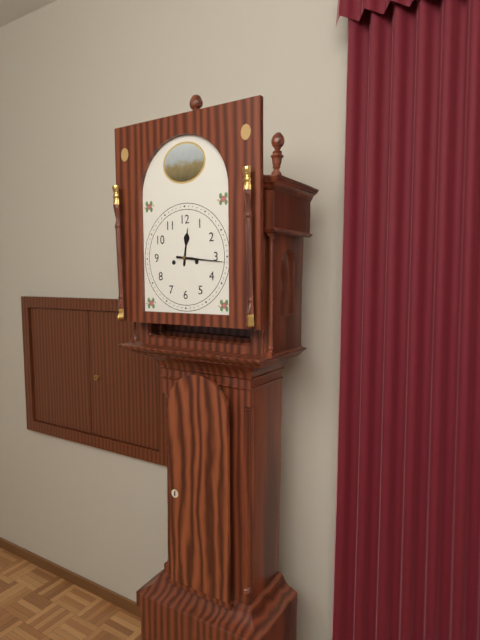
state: 12:16
